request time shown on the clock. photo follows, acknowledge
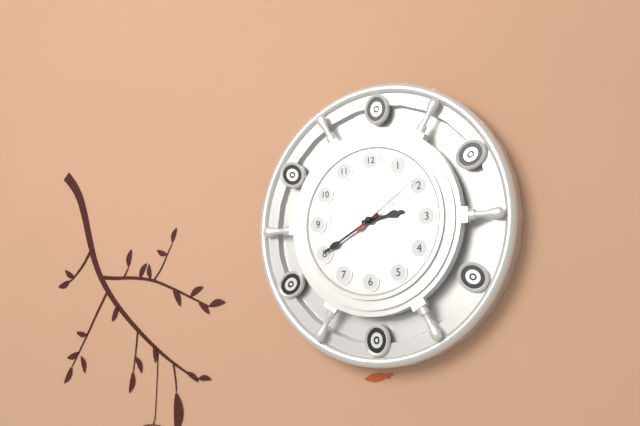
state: 2:40:09
